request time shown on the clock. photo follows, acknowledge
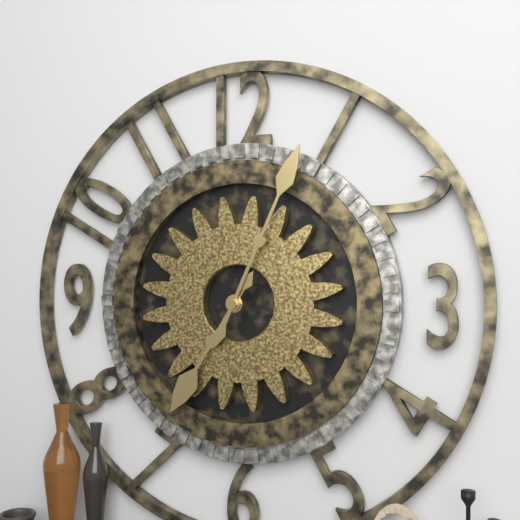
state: 7:04
